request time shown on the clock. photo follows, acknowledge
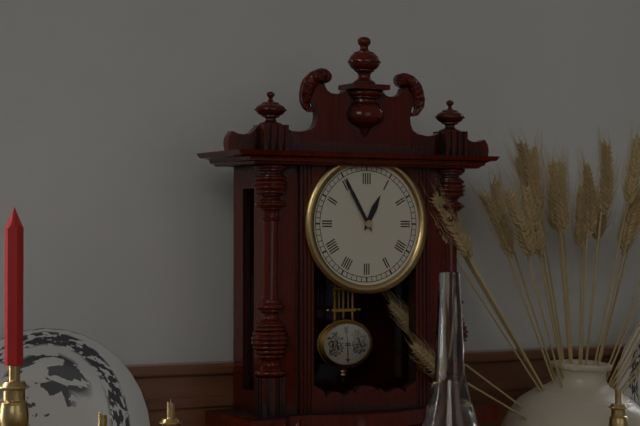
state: 12:55
